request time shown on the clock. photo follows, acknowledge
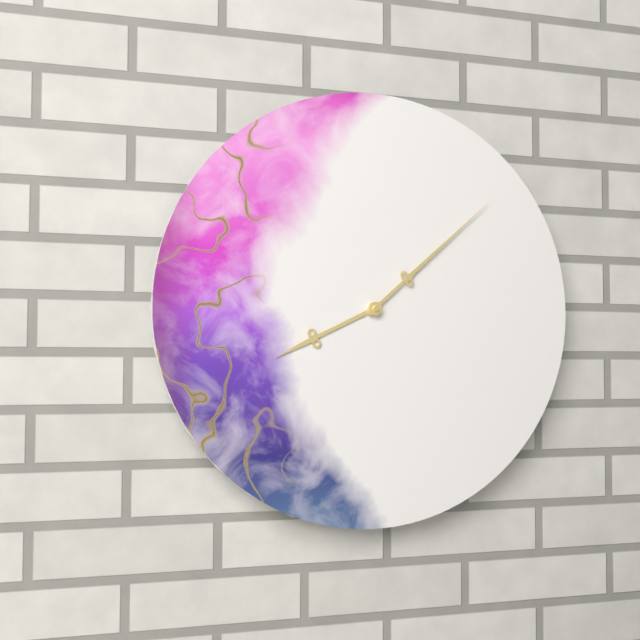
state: 8:08
